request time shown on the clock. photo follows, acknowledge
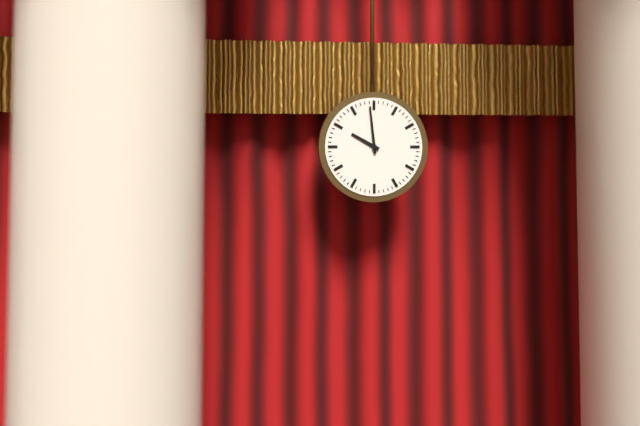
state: 9:59
